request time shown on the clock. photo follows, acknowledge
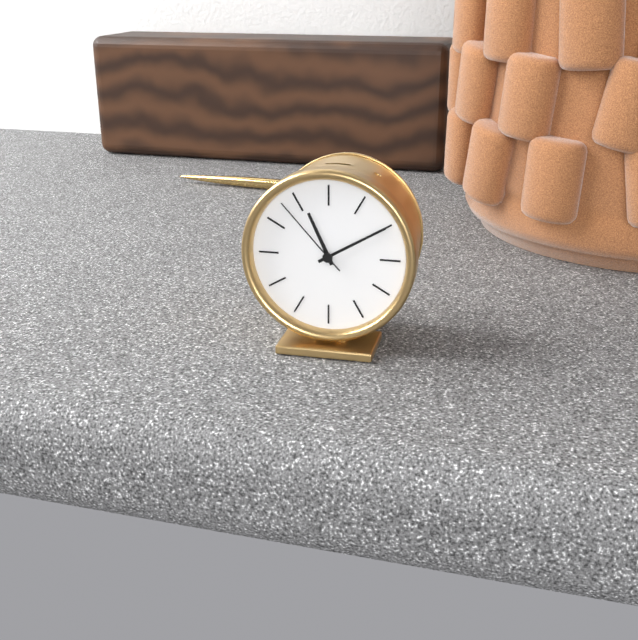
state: 11:10:53
